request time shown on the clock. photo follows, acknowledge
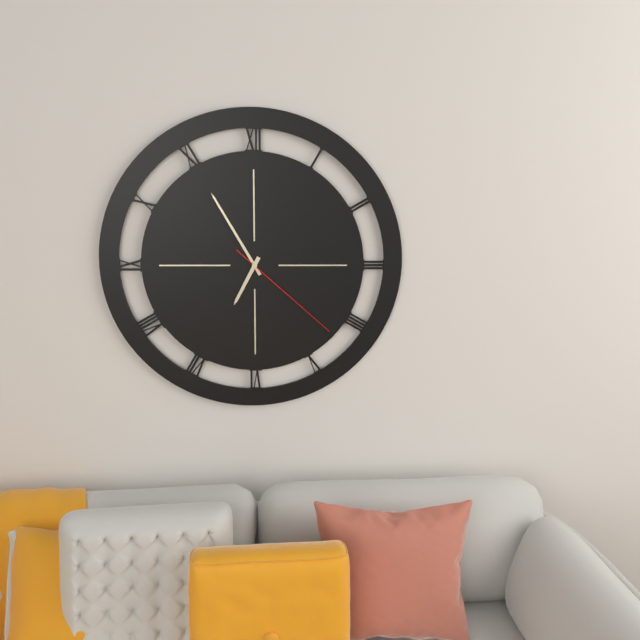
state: 6:55:22
